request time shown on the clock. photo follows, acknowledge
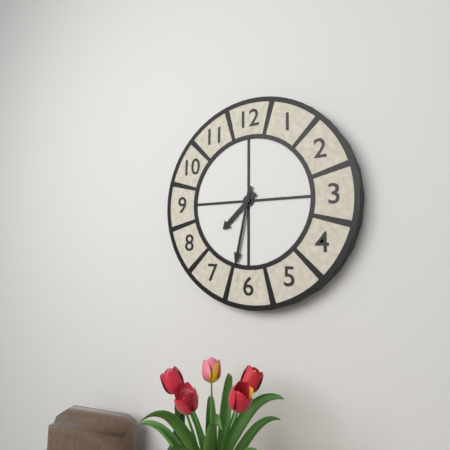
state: 7:32
